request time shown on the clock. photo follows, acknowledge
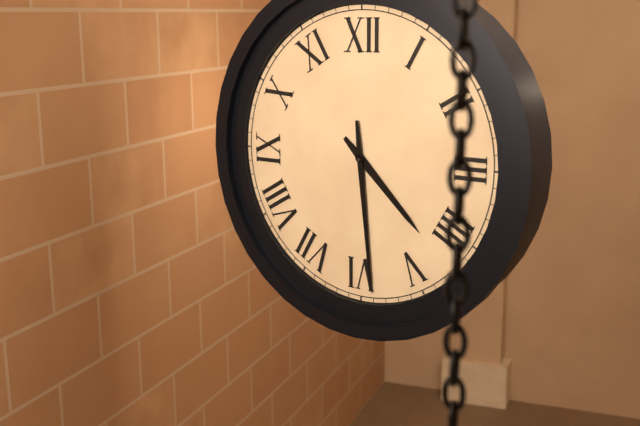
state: 4:29
